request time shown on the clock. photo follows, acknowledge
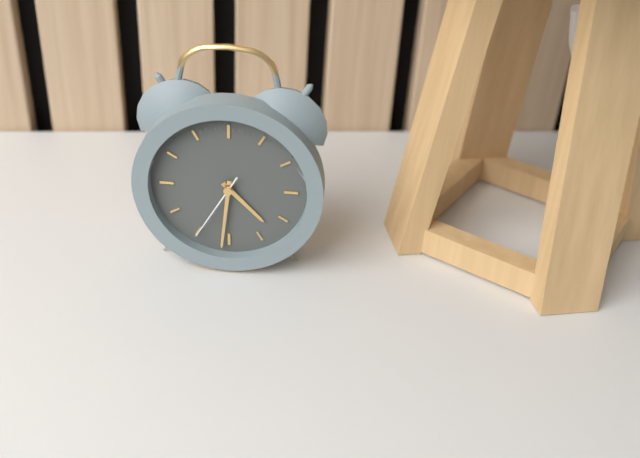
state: 4:31:35
